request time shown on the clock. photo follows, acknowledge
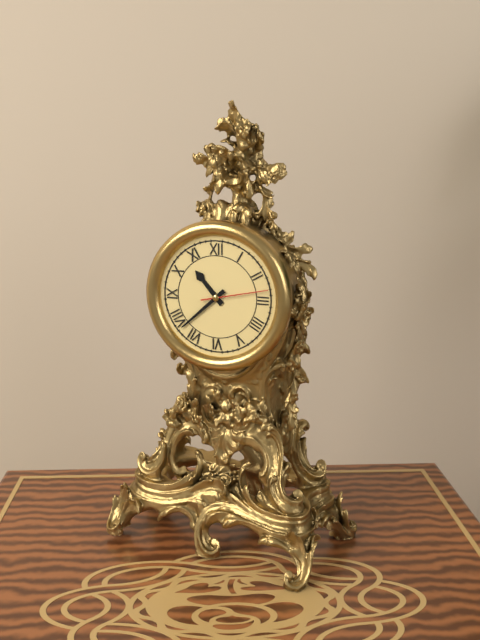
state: 10:38:13
